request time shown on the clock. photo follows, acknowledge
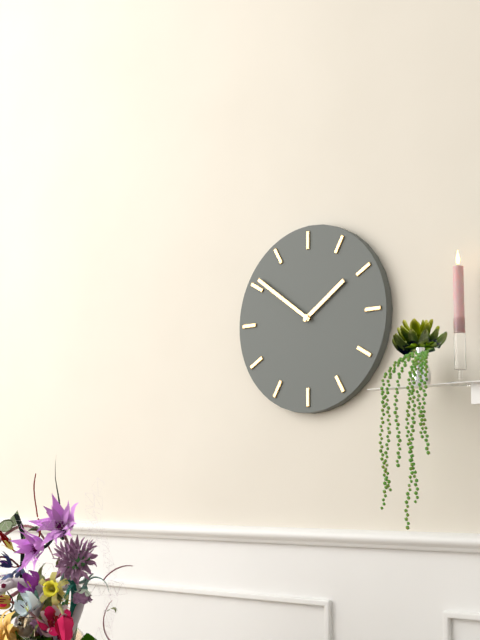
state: 1:51
